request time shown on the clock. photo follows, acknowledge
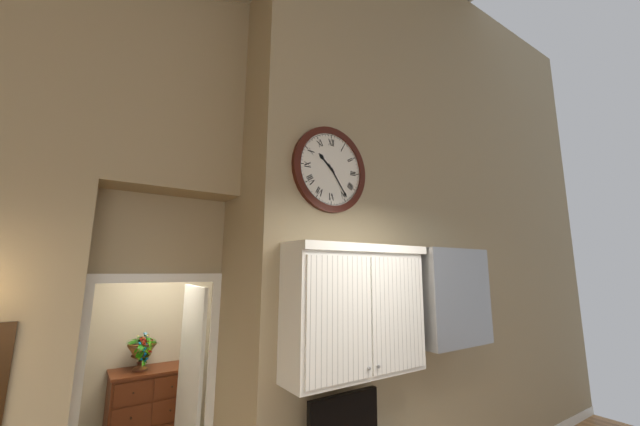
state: 10:24
